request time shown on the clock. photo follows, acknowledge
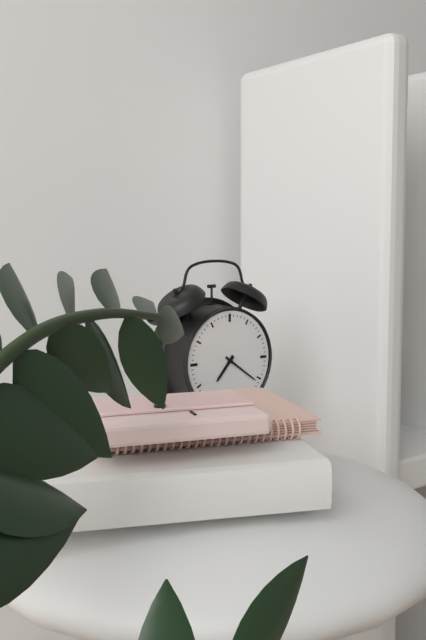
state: 7:21
